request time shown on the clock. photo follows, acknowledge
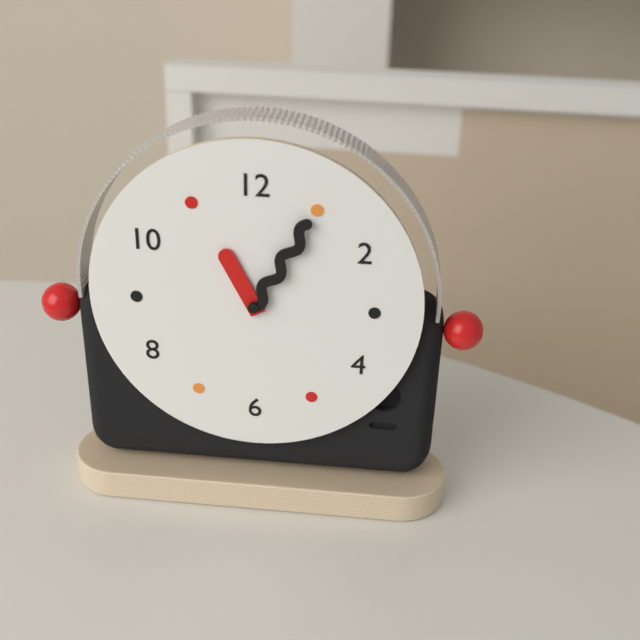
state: 11:05
